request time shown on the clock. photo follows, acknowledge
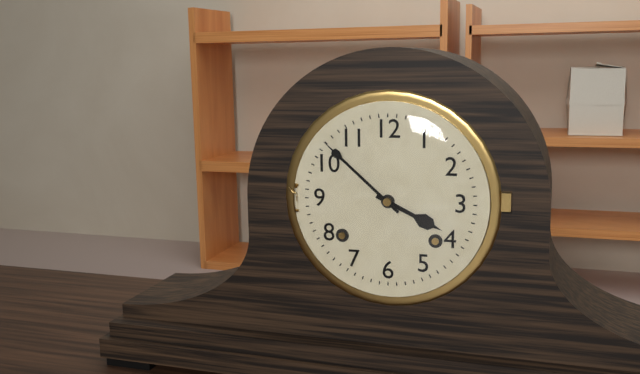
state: 3:52
